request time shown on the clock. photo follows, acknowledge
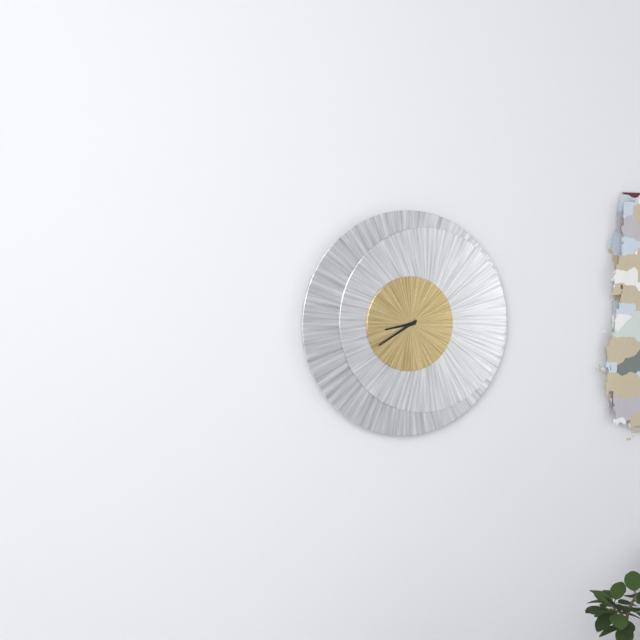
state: 8:40
